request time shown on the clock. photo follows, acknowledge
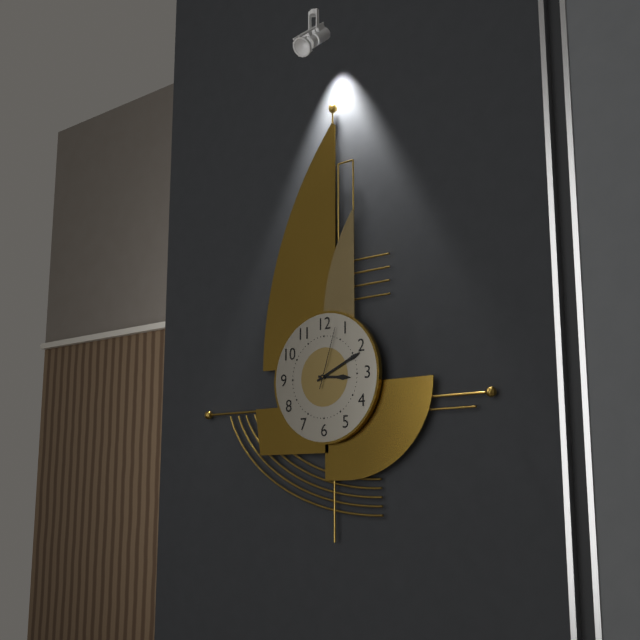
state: 3:11:03
